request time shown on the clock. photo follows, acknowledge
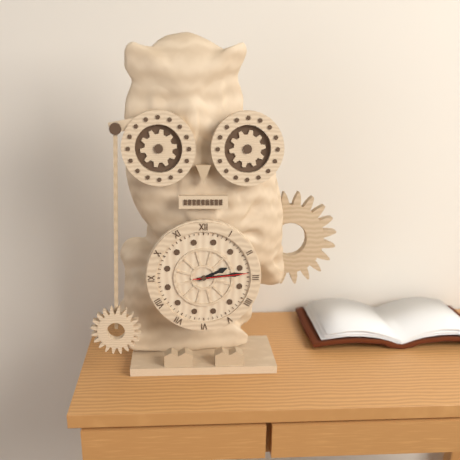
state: 2:14:14
